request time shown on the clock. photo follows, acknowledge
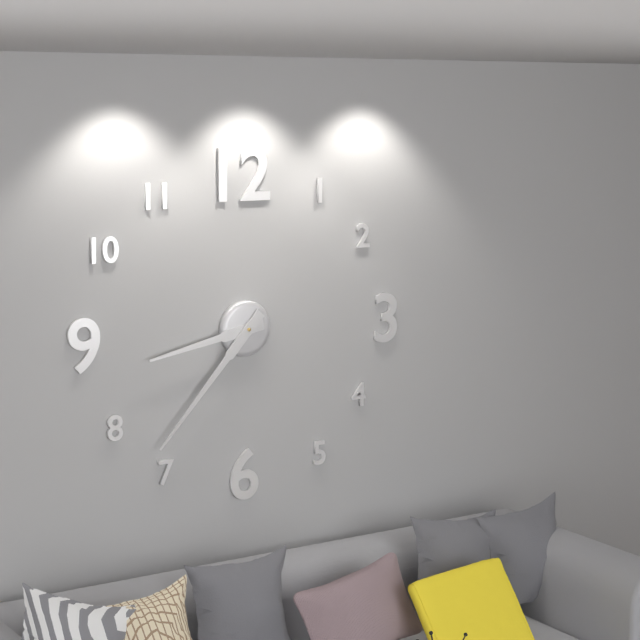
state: 8:37
